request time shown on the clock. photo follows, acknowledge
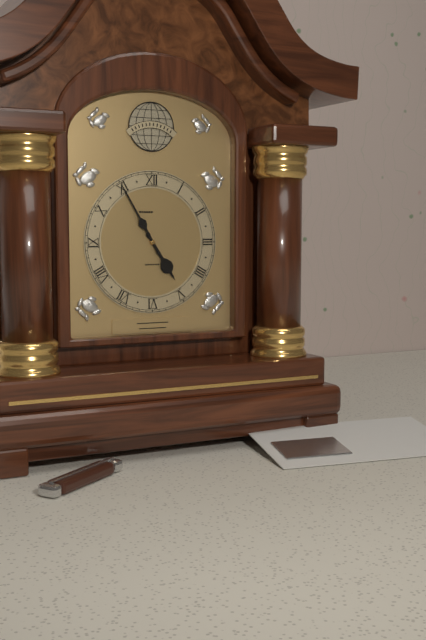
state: 4:55
